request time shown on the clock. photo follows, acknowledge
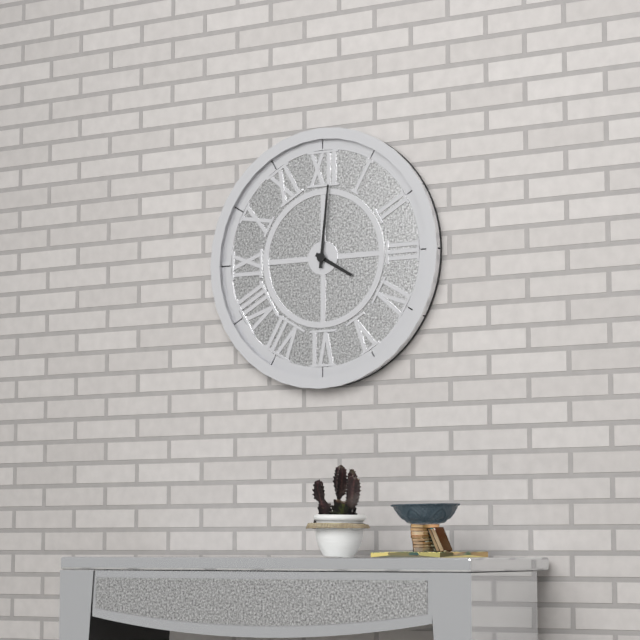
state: 4:01
